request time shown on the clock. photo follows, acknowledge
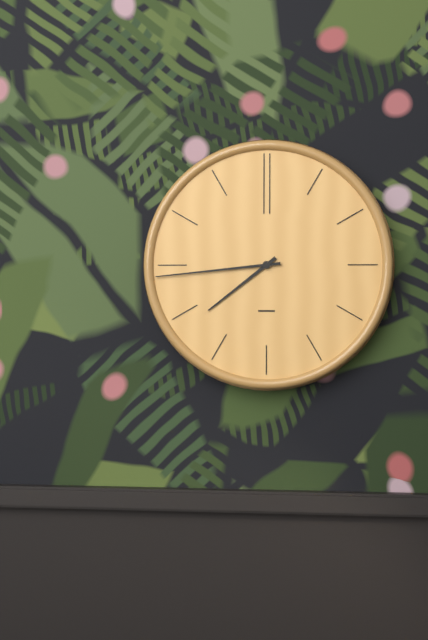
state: 7:44
